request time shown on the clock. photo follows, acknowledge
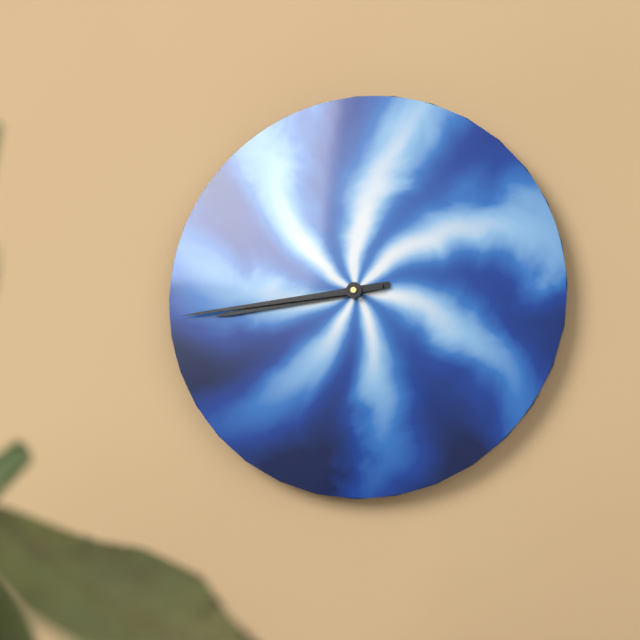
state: 8:44
